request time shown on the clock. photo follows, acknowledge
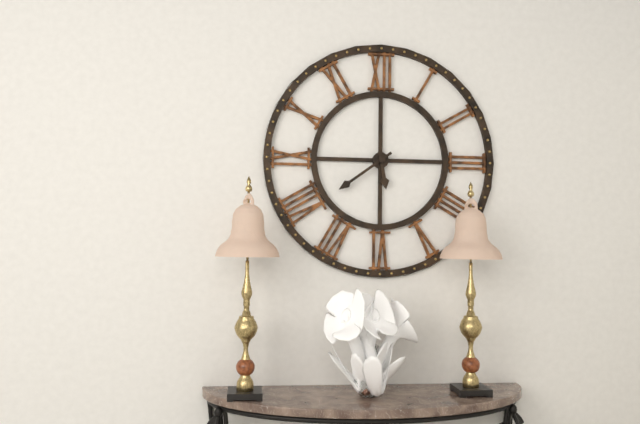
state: 5:39
